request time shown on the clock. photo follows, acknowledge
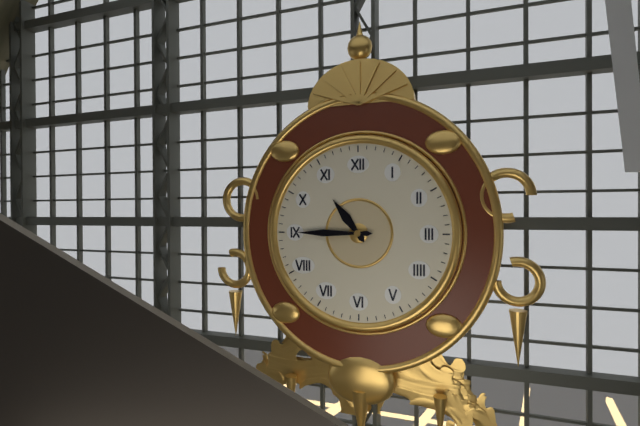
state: 10:45
